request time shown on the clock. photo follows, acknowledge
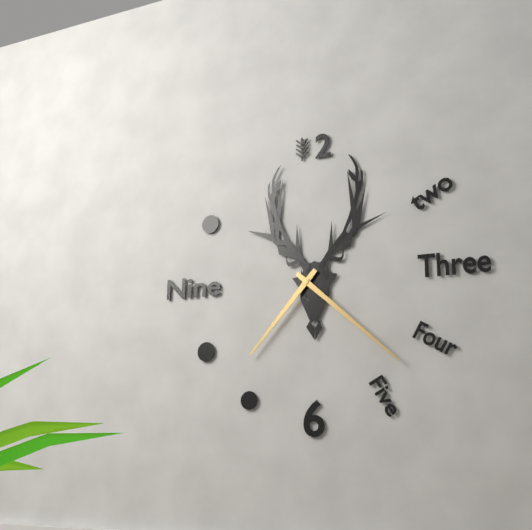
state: 7:22
